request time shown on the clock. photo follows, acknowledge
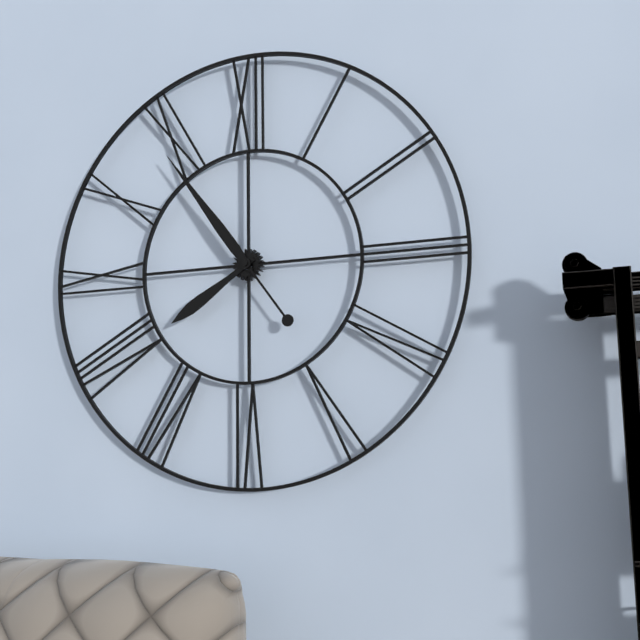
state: 7:54
